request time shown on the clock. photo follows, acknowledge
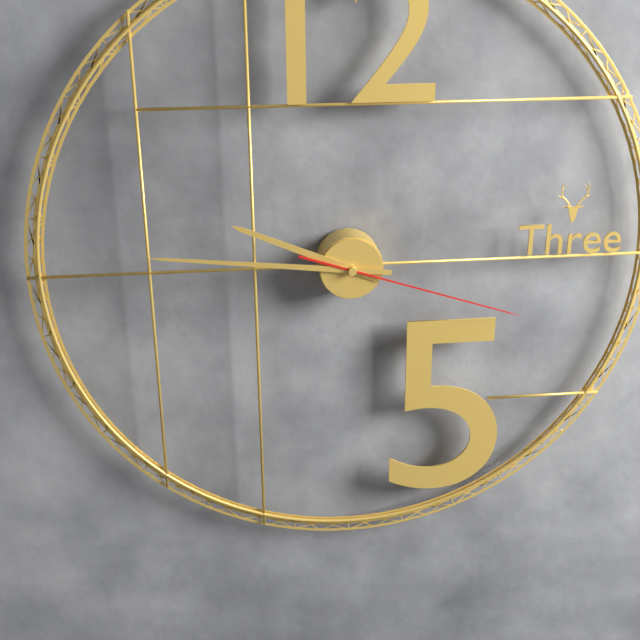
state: 9:46:18
